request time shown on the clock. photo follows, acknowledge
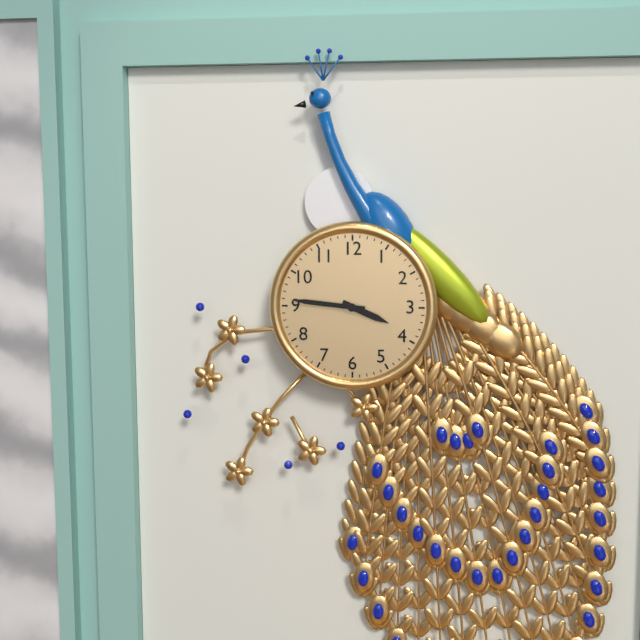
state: 3:46
